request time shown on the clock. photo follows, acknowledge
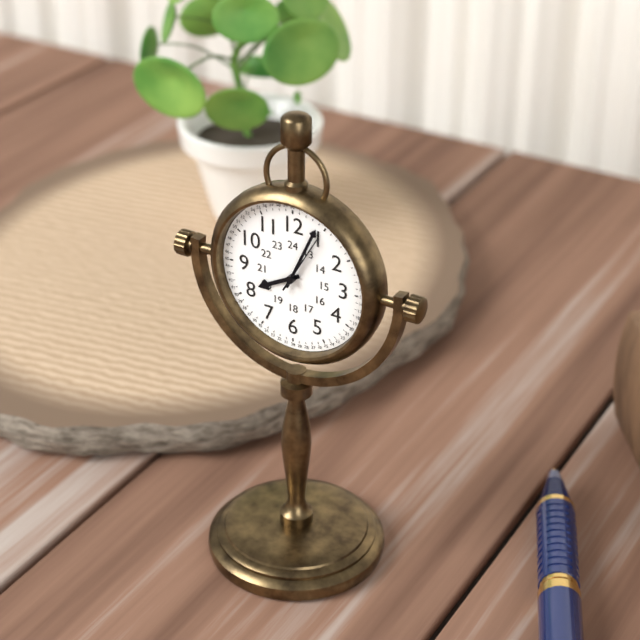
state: 8:04:05
